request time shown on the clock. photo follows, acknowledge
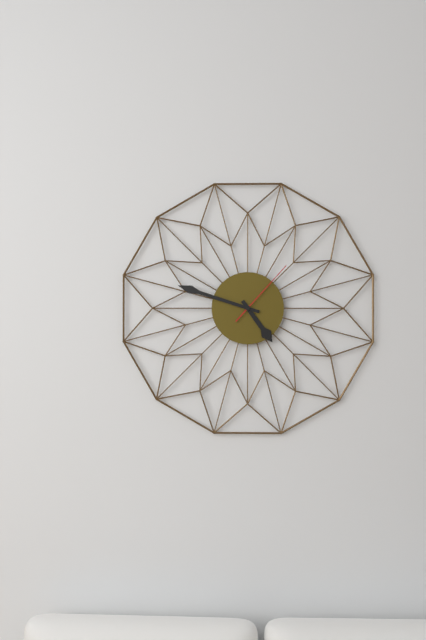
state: 4:48:07
